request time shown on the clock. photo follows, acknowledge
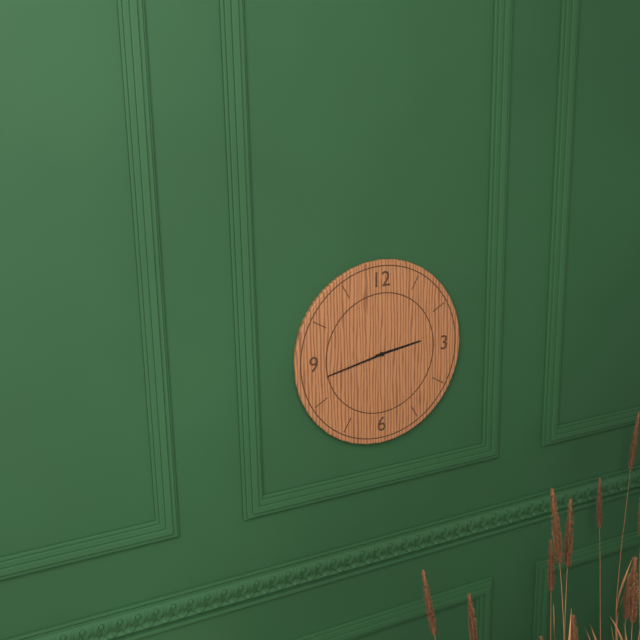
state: 2:43
